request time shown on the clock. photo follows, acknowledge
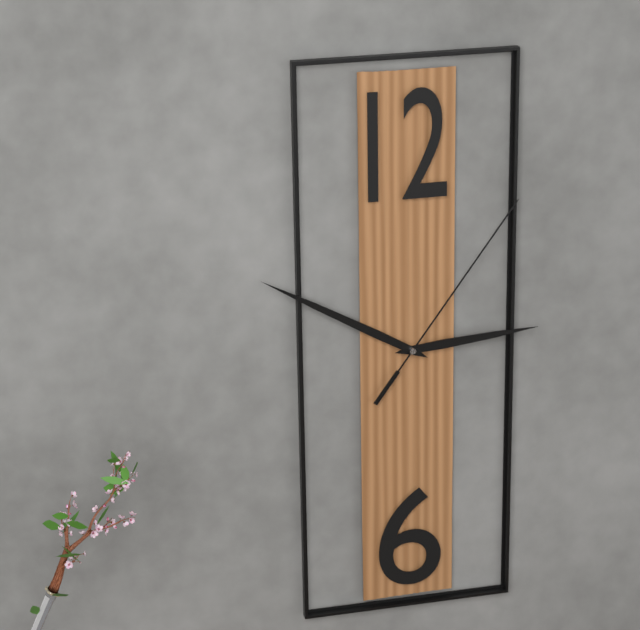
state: 2:50:06
